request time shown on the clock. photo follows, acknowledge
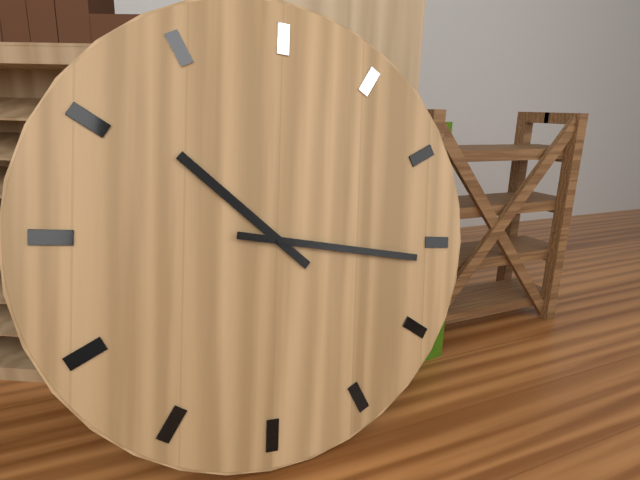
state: 10:16
